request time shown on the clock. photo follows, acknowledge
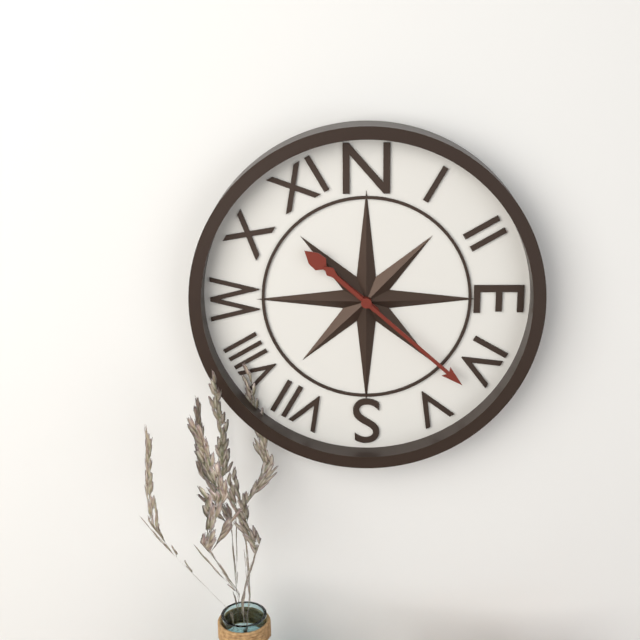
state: 10:22
